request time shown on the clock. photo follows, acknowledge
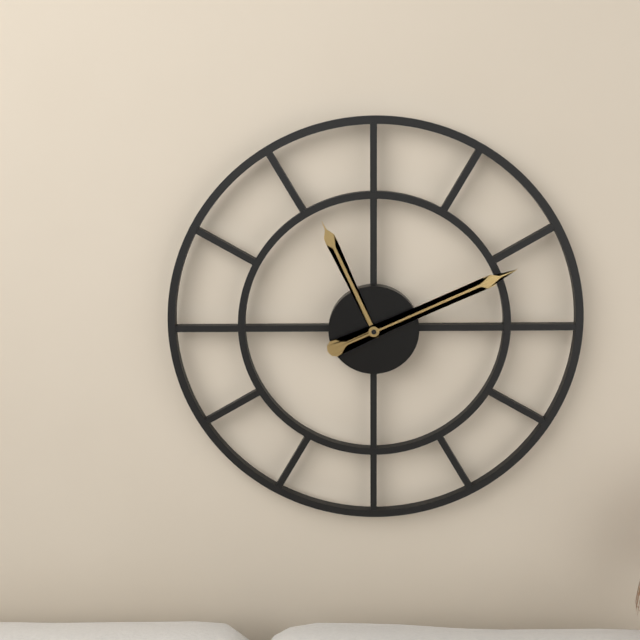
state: 11:11
